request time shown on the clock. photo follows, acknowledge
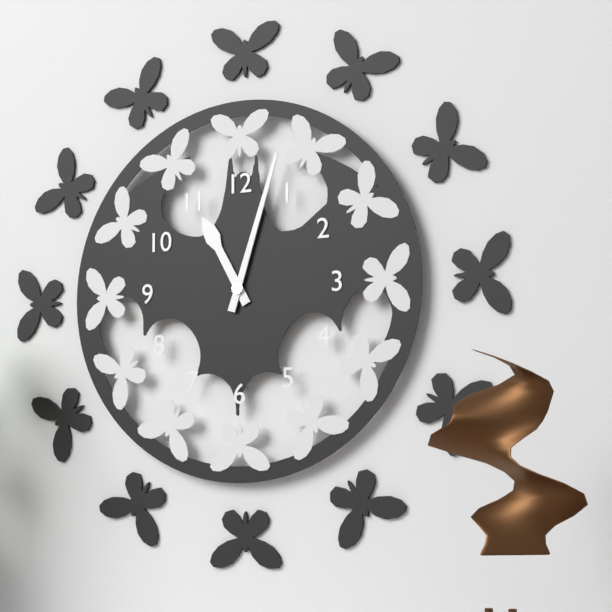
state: 11:03
